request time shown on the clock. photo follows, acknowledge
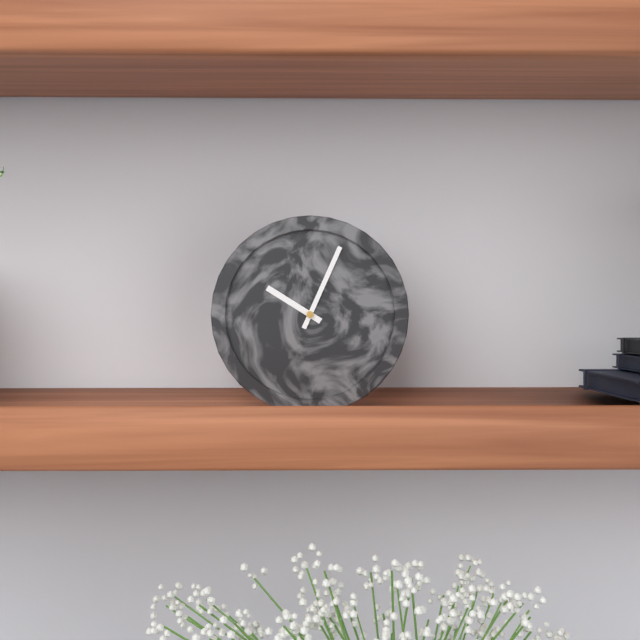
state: 10:04
